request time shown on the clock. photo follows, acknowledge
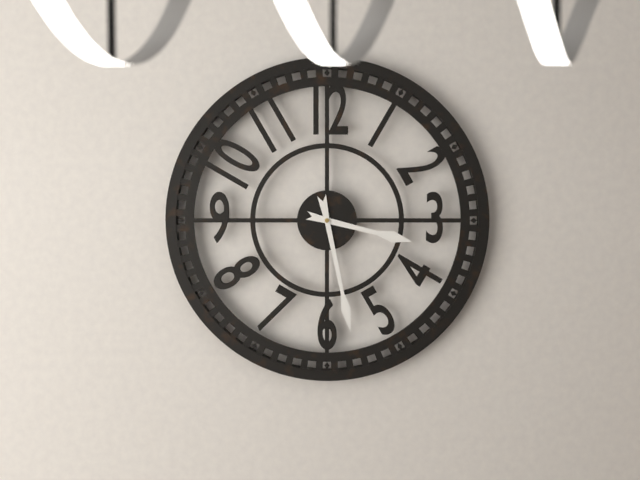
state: 3:28
